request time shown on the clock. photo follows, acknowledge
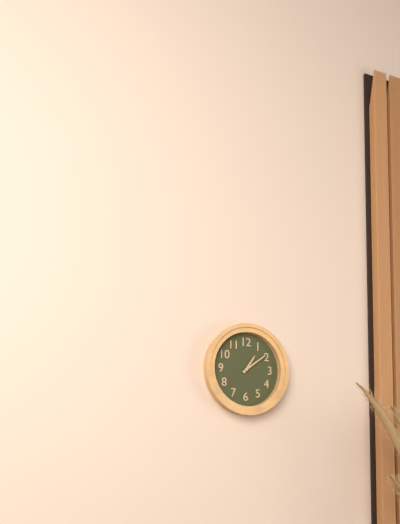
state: 1:09
